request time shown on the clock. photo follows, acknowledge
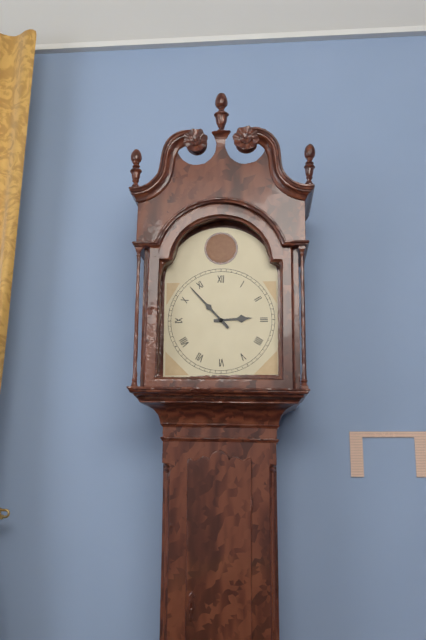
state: 2:53
